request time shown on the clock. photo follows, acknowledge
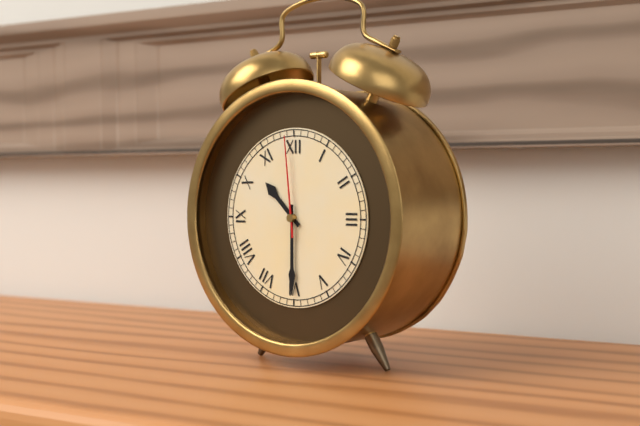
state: 10:30:59
